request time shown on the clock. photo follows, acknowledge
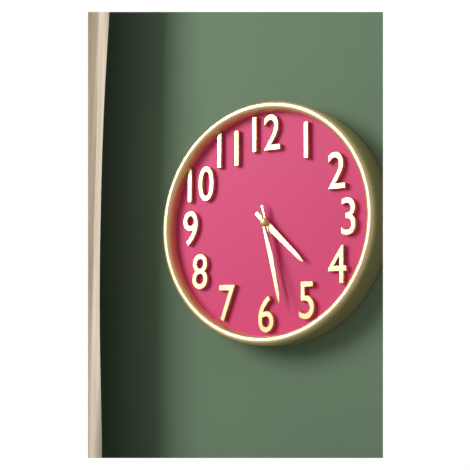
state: 4:28:27
